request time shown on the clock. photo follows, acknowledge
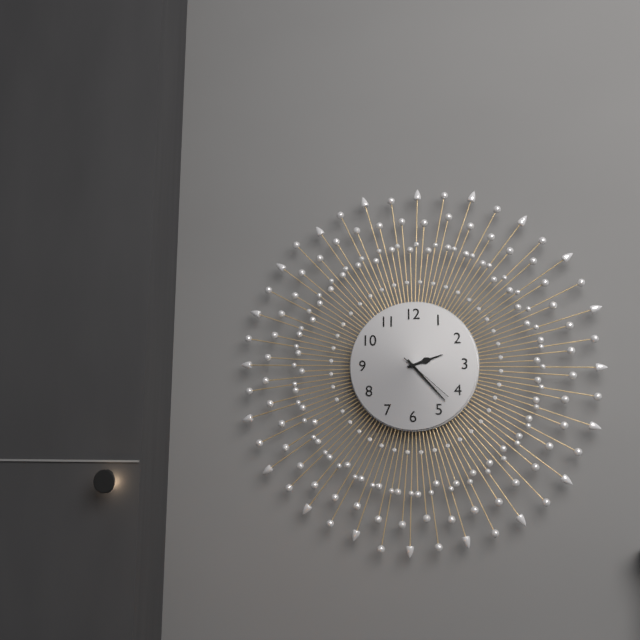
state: 2:23:22
